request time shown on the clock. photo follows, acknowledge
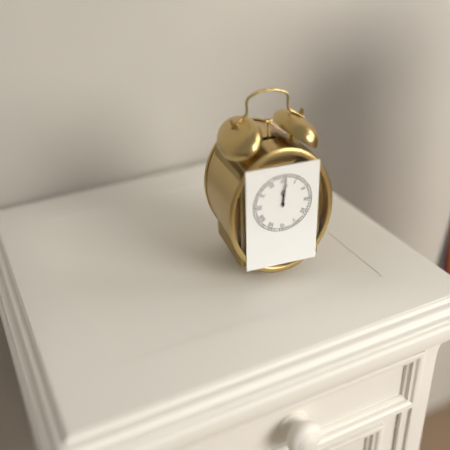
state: 12:01
